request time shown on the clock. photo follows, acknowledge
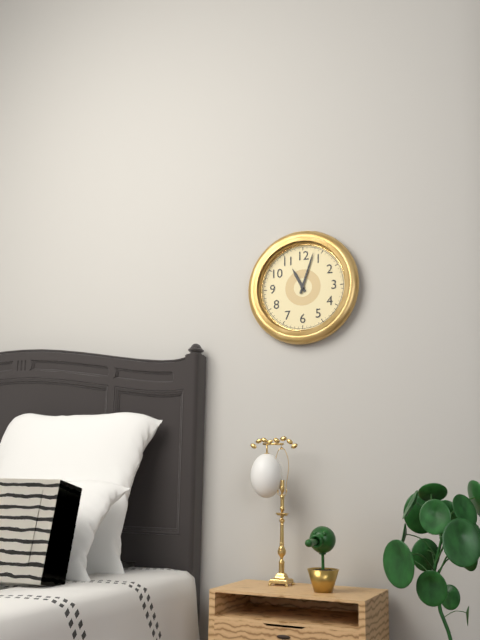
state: 11:03
